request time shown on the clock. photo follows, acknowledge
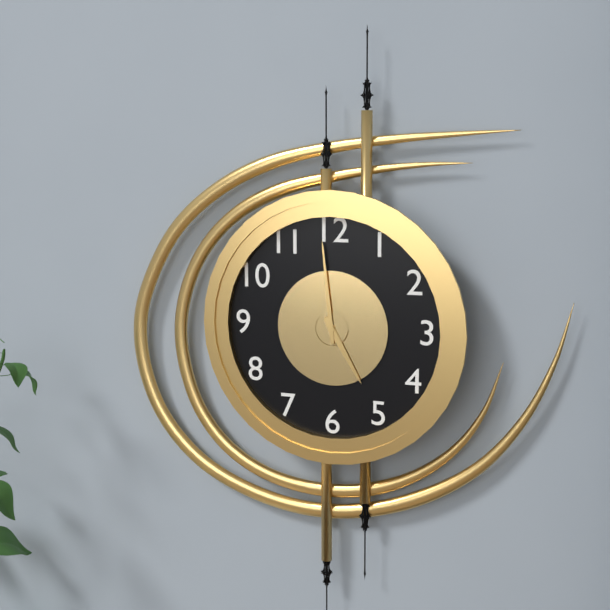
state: 4:59
